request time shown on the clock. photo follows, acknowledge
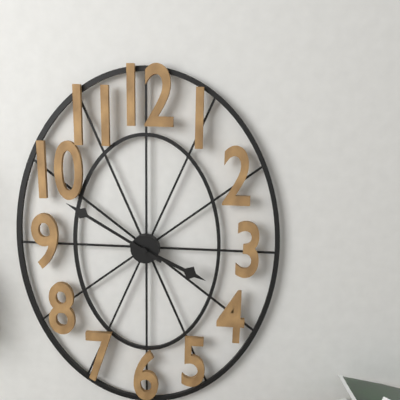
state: 3:50
